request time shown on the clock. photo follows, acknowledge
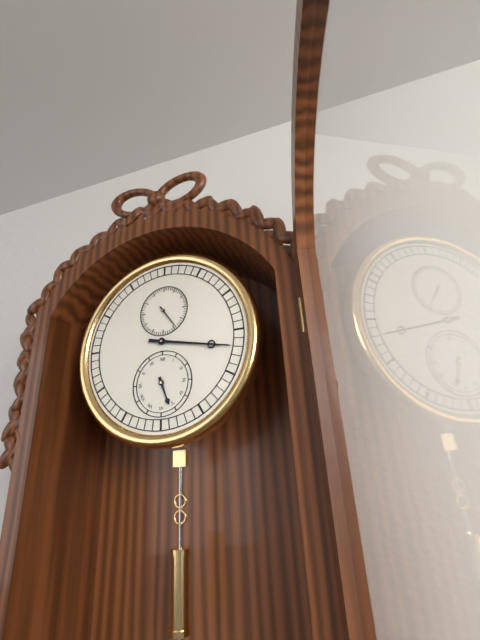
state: 5:17
